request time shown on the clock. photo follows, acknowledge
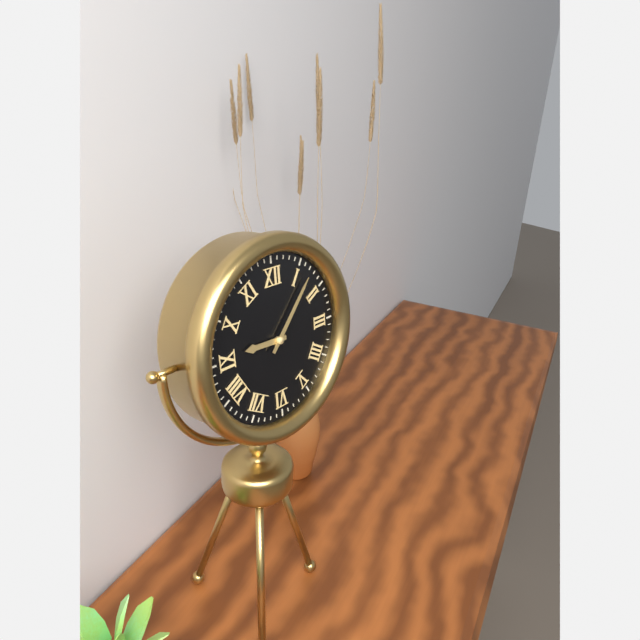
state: 9:07
